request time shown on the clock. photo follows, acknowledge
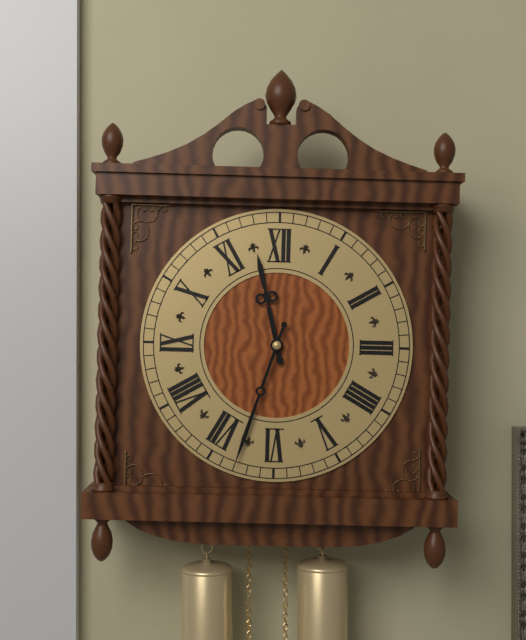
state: 11:33
